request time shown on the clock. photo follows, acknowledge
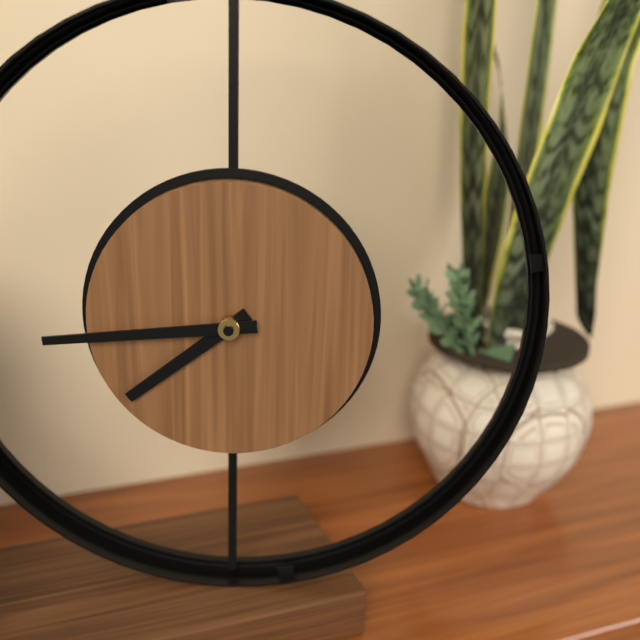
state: 7:44
